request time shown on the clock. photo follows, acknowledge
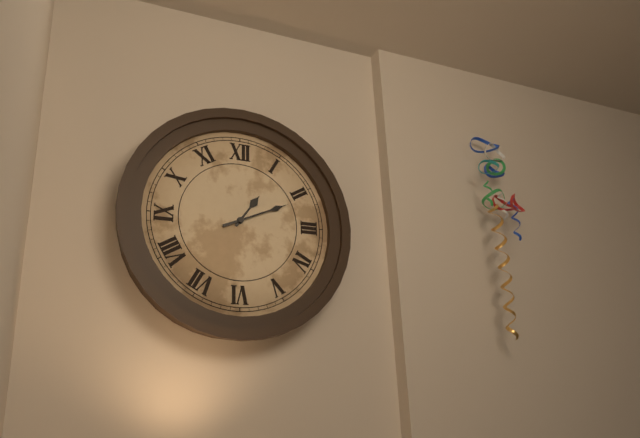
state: 1:11
